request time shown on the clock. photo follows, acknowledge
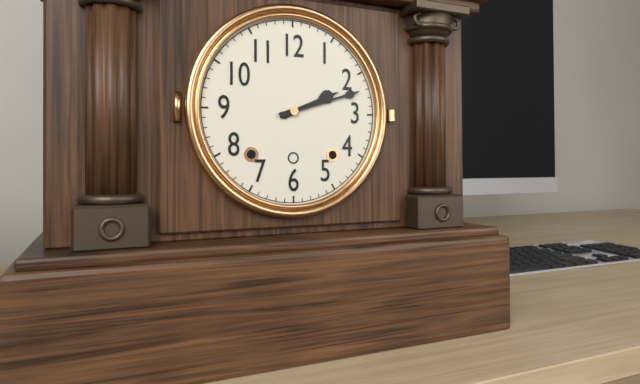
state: 2:12
